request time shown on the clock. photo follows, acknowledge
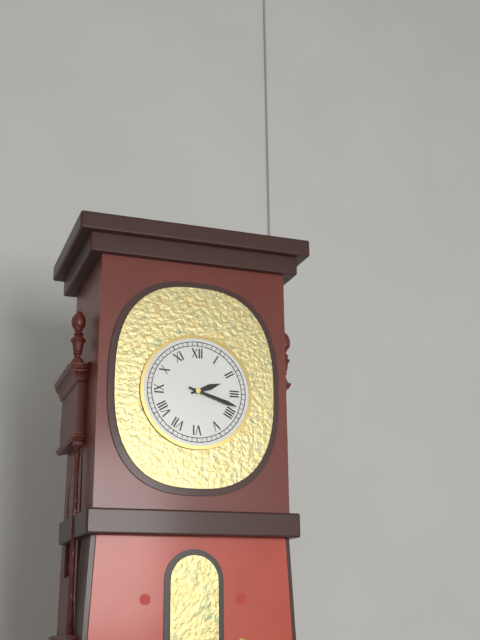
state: 2:18
